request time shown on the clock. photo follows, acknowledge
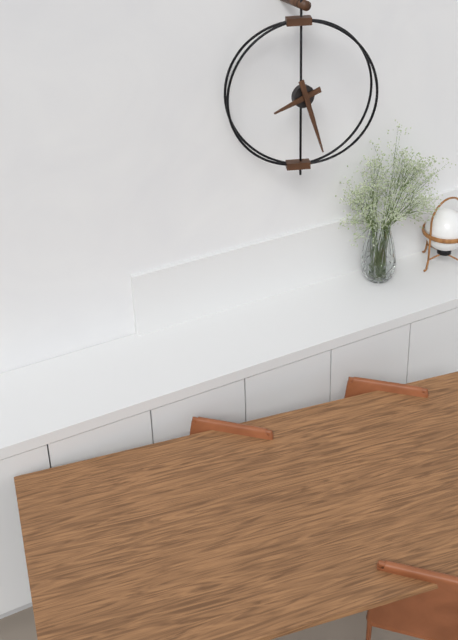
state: 8:27
